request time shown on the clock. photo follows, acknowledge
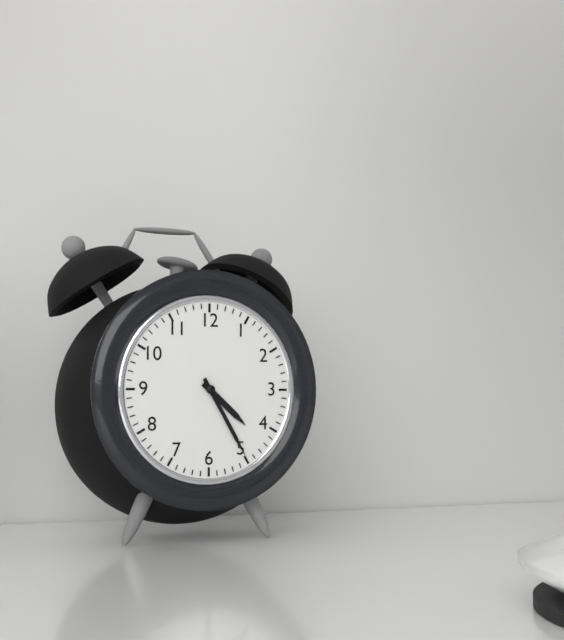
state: 4:25
